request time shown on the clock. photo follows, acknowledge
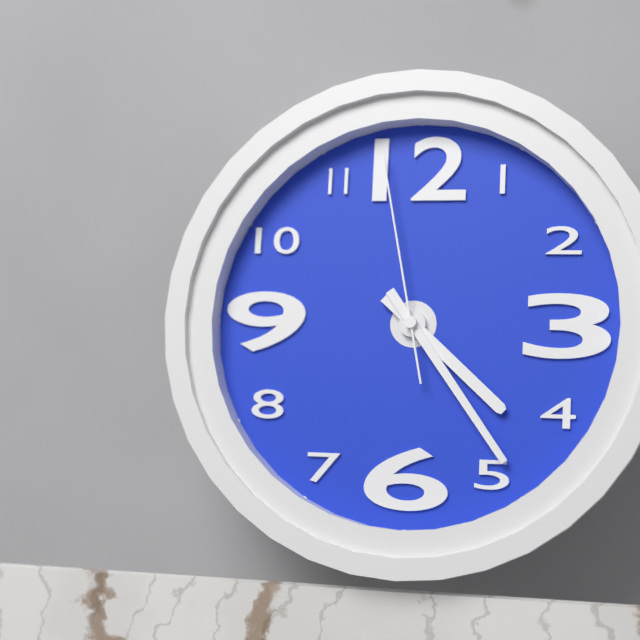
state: 4:24:58
